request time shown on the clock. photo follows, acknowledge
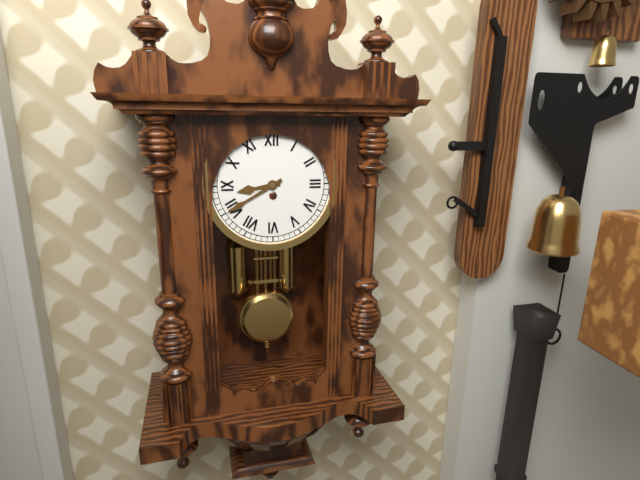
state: 8:40
